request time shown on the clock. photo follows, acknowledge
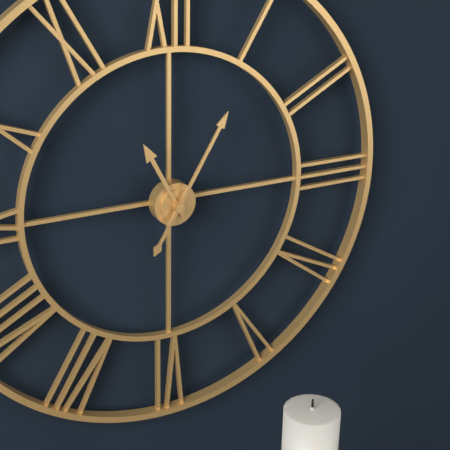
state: 11:05
